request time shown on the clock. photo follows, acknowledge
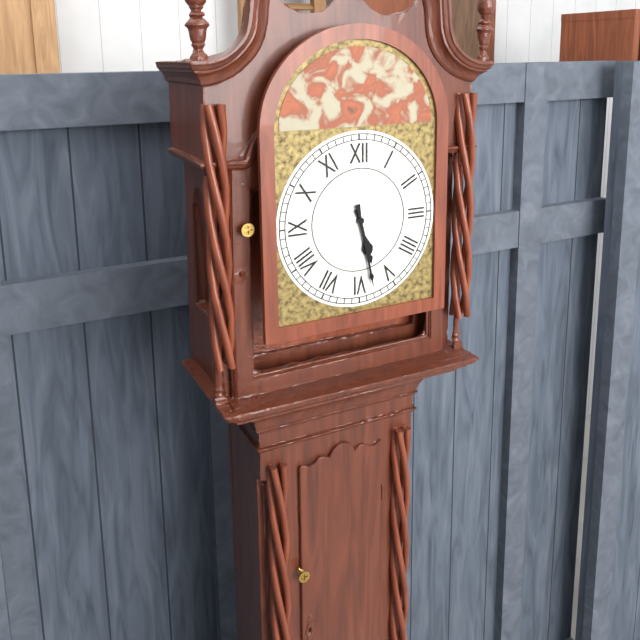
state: 5:28
